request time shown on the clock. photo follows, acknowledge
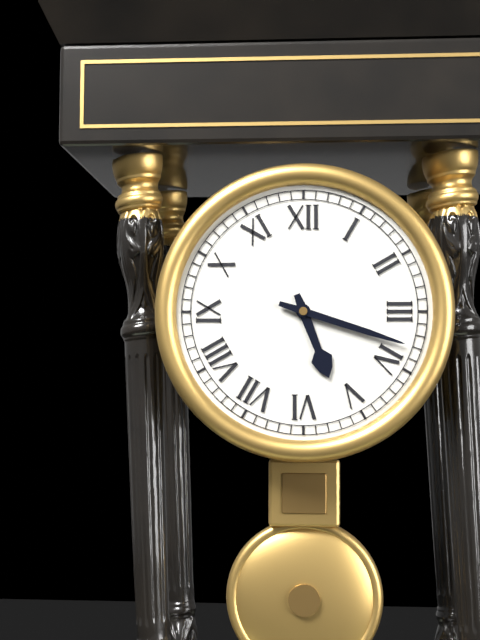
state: 5:18
